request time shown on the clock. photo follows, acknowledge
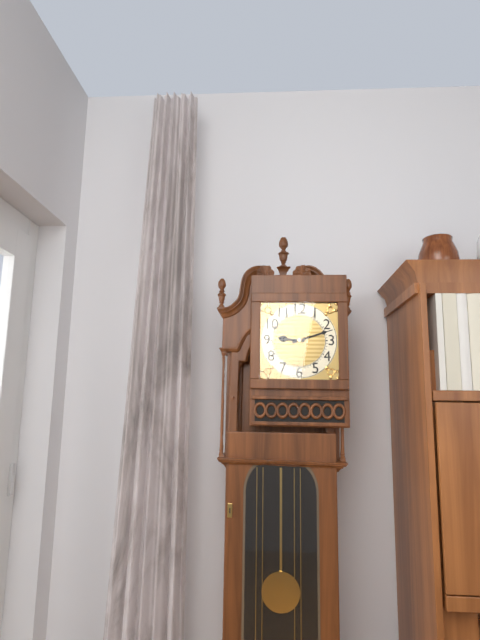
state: 9:12
